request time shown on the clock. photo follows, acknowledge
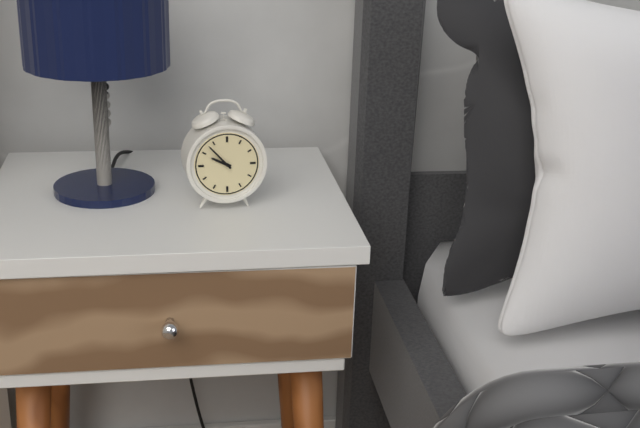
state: 9:53
